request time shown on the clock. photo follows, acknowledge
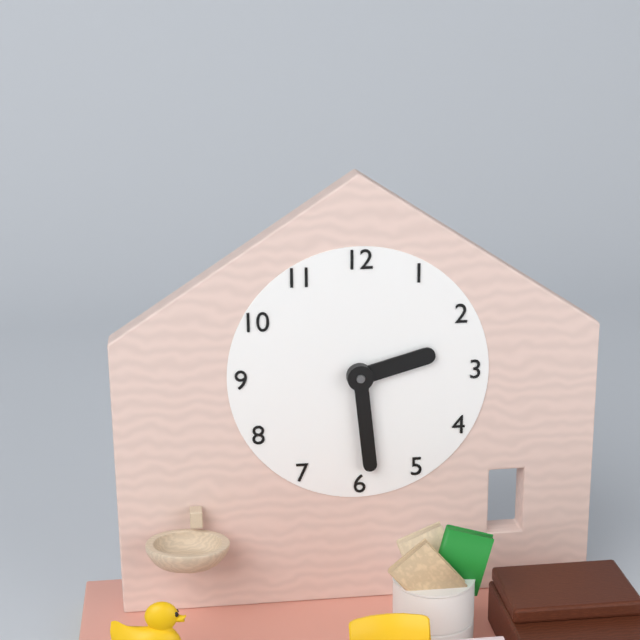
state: 2:29
